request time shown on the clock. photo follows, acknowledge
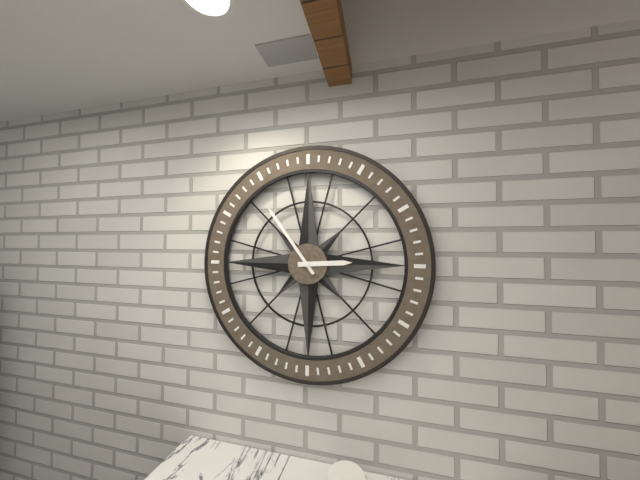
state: 2:54
